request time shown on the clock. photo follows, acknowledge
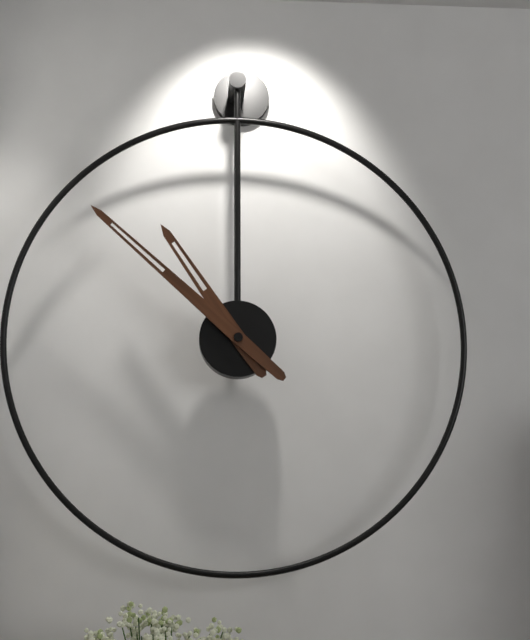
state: 10:52
